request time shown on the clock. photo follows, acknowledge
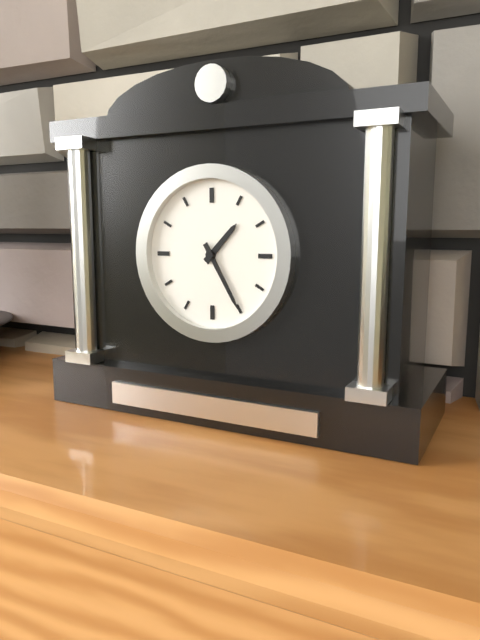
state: 1:25
